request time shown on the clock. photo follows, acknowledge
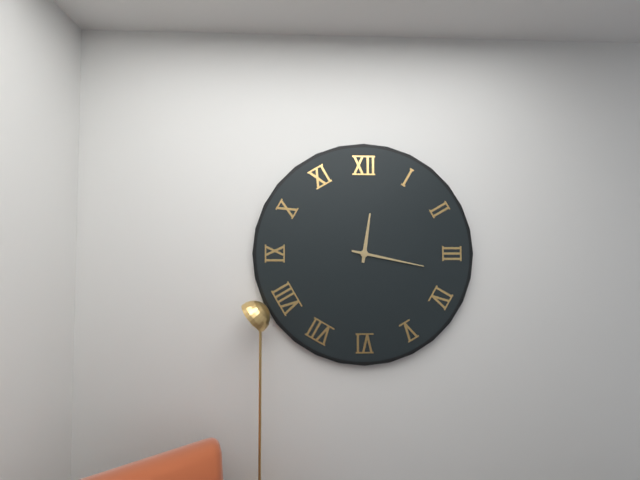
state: 12:17
